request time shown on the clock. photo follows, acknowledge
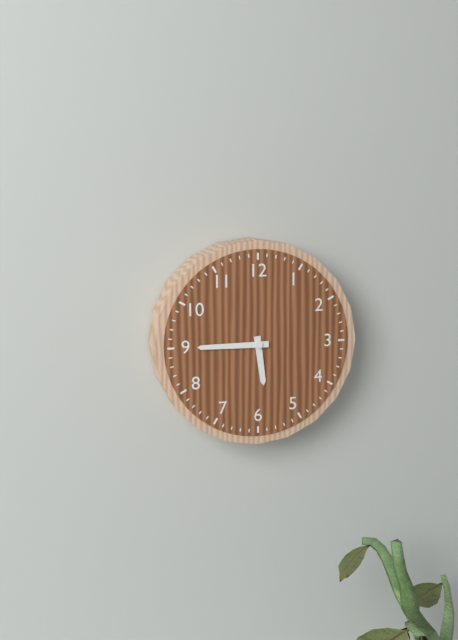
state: 5:45
